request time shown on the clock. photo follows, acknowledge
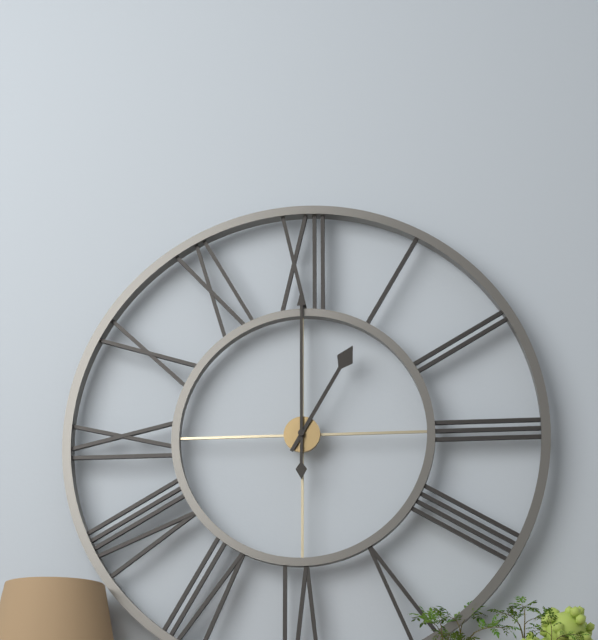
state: 1:00
